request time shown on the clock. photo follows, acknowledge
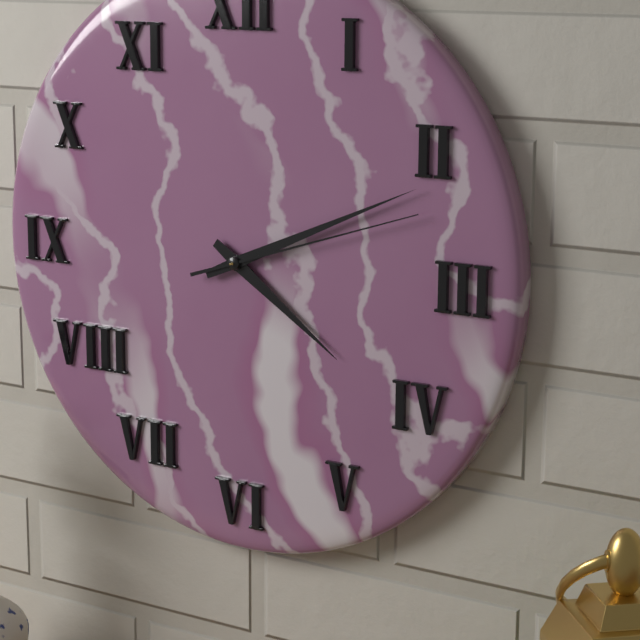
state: 4:11:12
